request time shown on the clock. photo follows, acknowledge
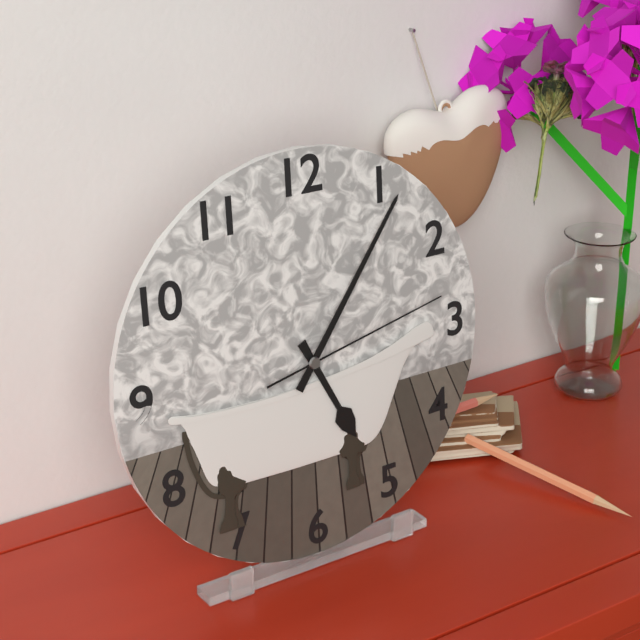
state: 5:06:13
